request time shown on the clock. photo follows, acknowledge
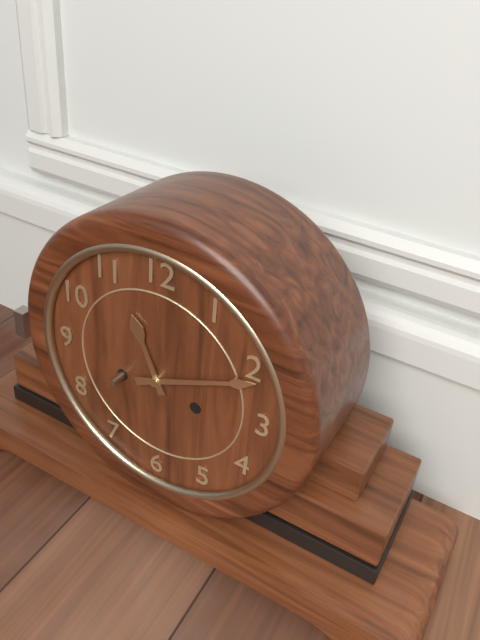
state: 11:11
